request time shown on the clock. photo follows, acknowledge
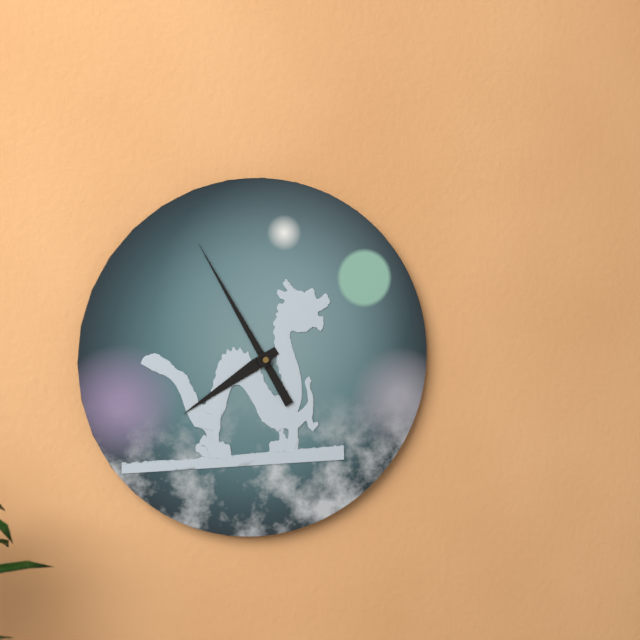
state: 7:55
